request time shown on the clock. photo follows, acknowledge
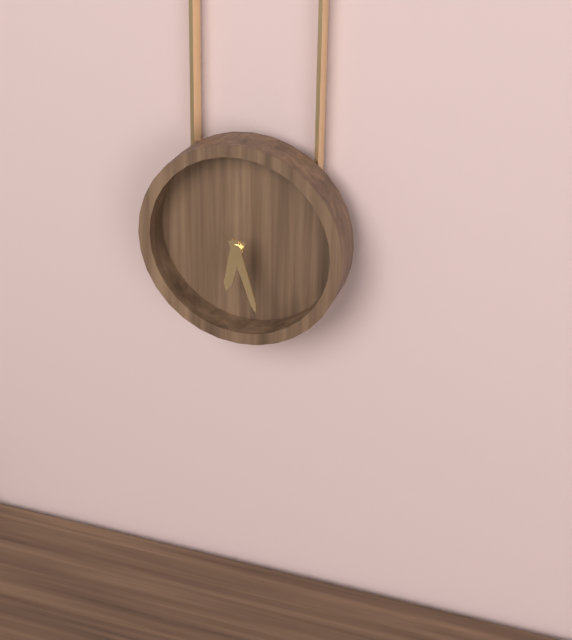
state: 6:27
